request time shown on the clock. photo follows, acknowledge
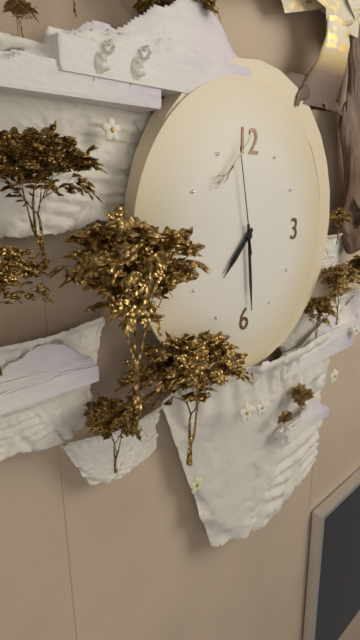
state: 7:29:58
